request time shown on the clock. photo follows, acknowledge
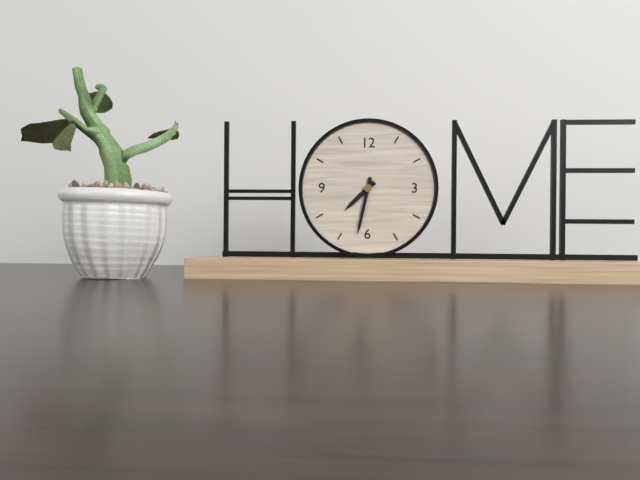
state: 7:32
